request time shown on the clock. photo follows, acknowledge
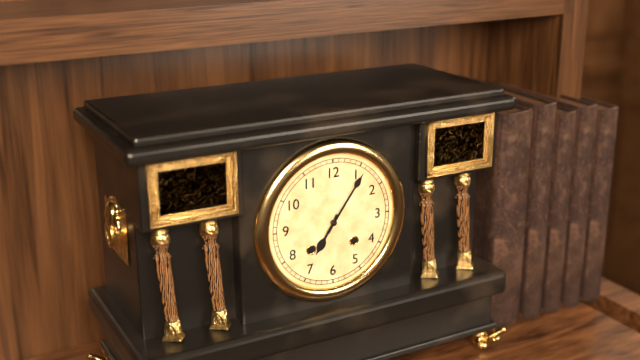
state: 7:06
